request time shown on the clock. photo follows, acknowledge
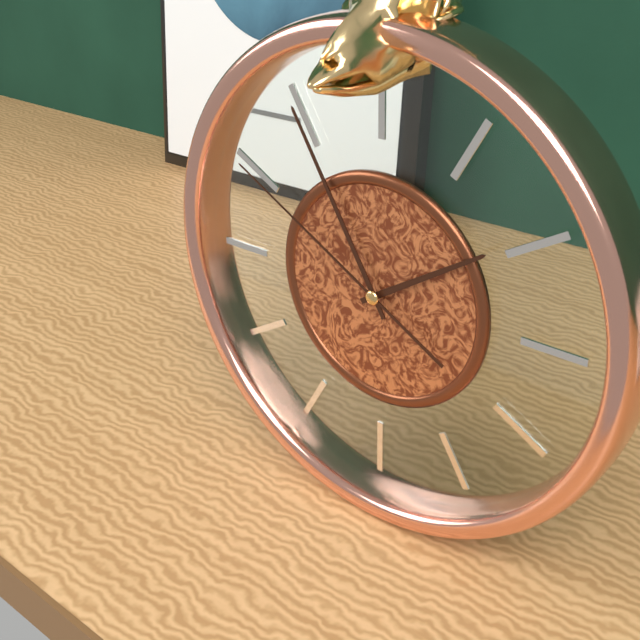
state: 1:55:50
